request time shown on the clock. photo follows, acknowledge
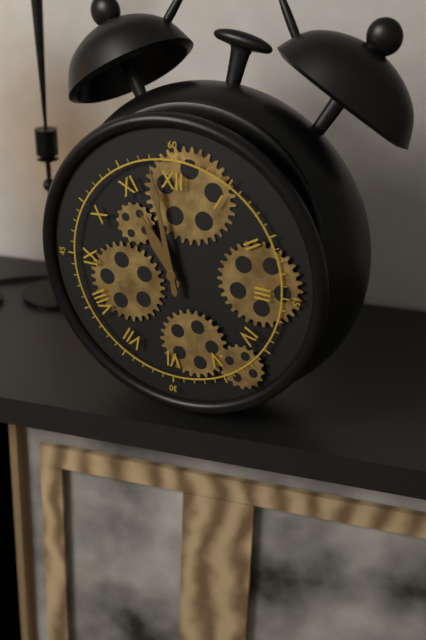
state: 10:58
